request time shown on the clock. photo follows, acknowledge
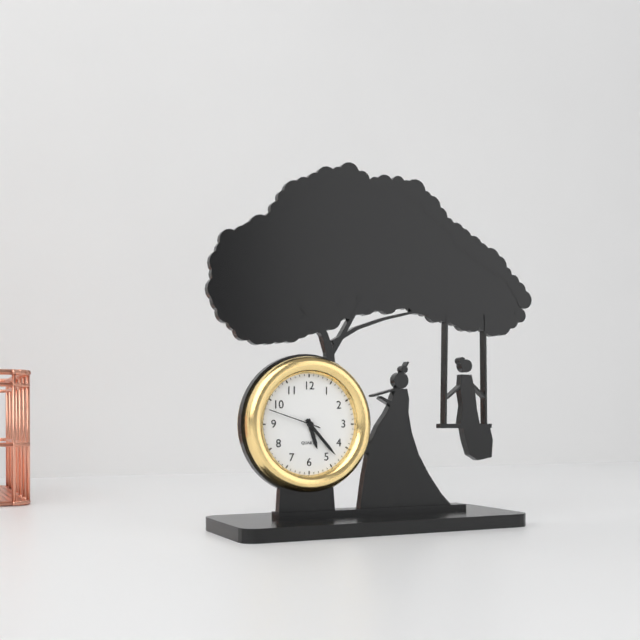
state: 5:23:48
